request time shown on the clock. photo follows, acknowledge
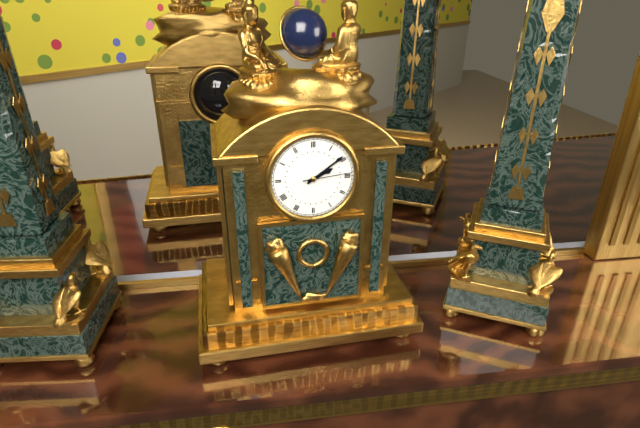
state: 2:09
